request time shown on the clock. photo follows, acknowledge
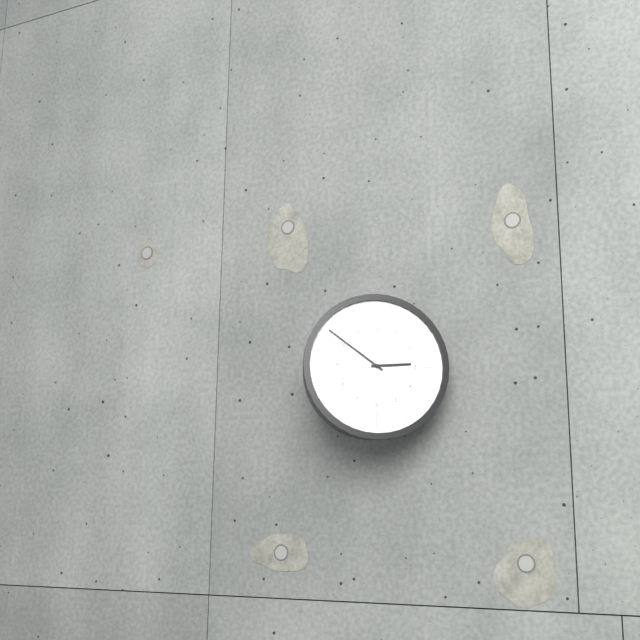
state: 2:51
